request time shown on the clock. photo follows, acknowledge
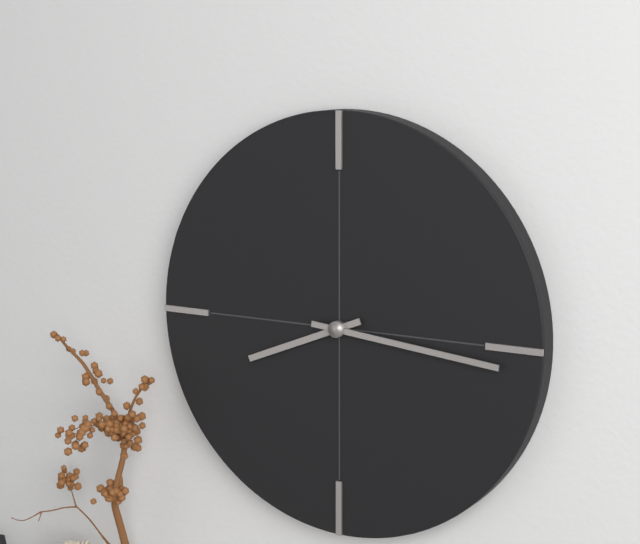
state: 8:16
